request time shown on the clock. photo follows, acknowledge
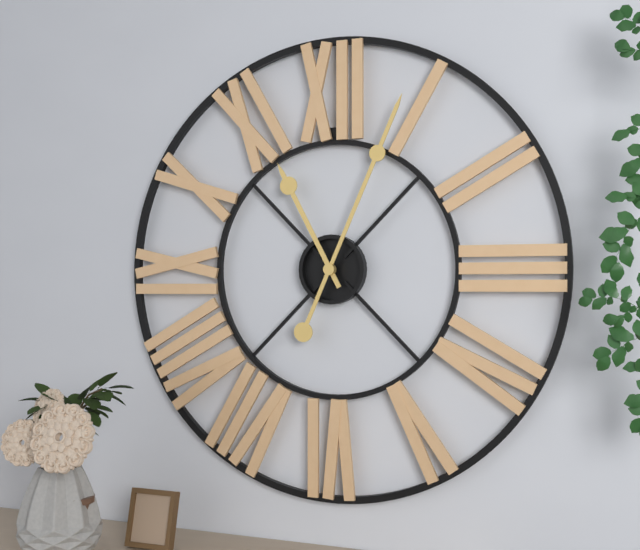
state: 11:04
